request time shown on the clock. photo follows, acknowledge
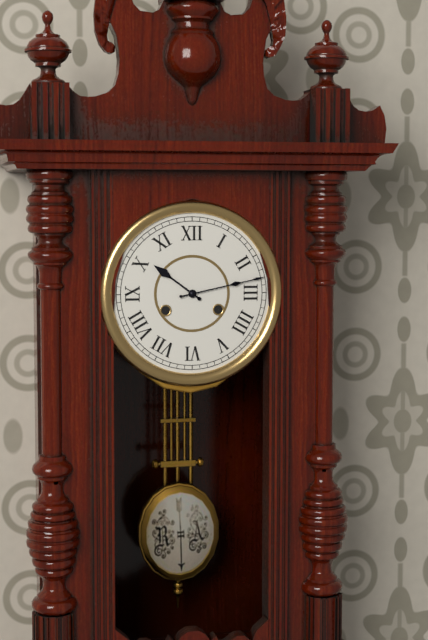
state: 10:13
